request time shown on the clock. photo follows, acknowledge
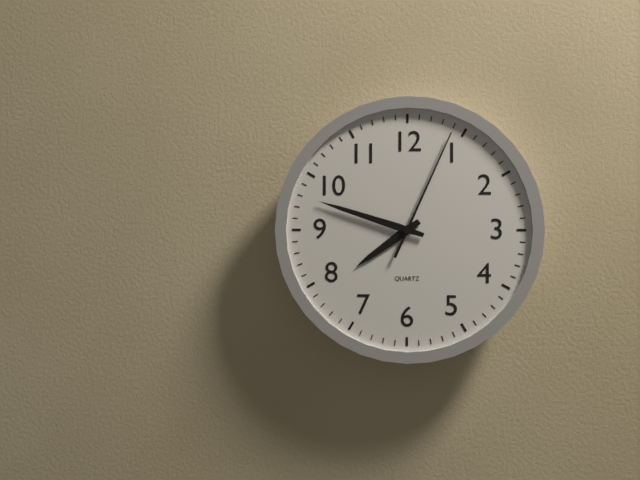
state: 7:48:04
